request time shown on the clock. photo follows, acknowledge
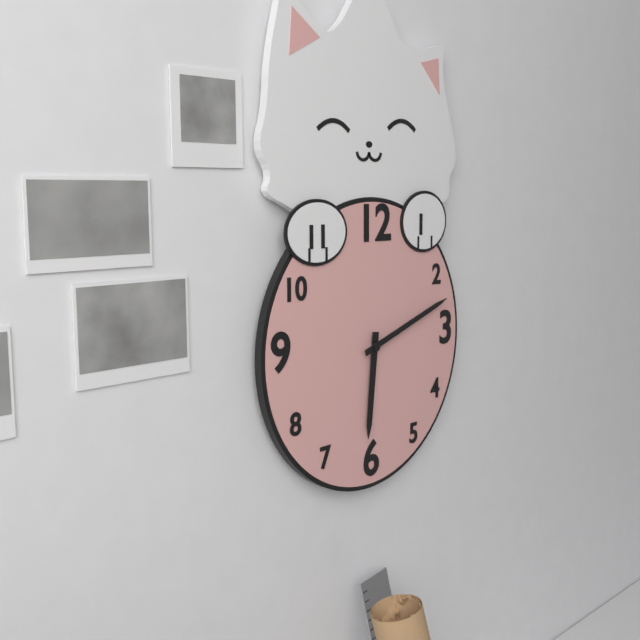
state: 6:12
